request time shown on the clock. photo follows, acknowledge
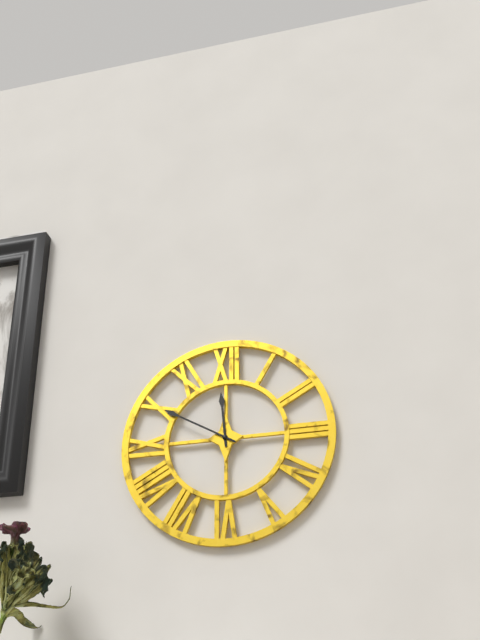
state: 11:50
